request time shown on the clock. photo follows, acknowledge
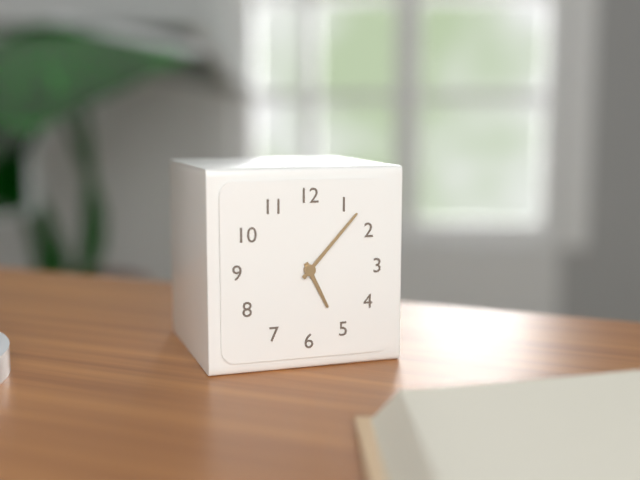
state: 5:07
